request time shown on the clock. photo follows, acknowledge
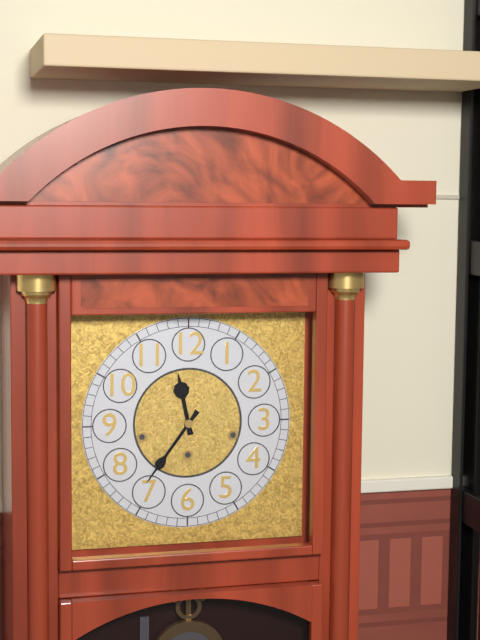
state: 11:36
